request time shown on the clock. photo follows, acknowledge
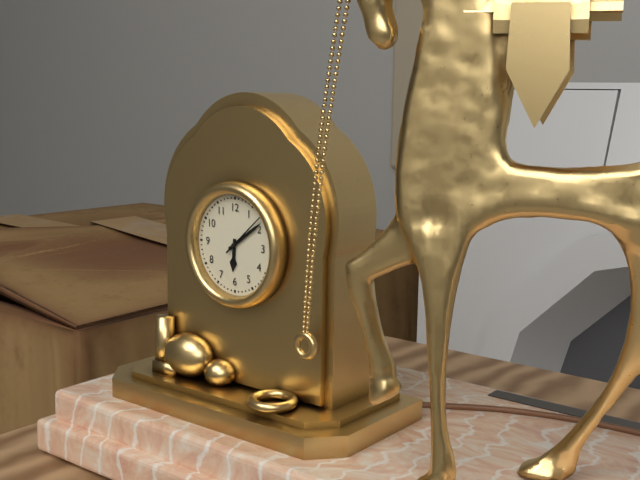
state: 6:09
